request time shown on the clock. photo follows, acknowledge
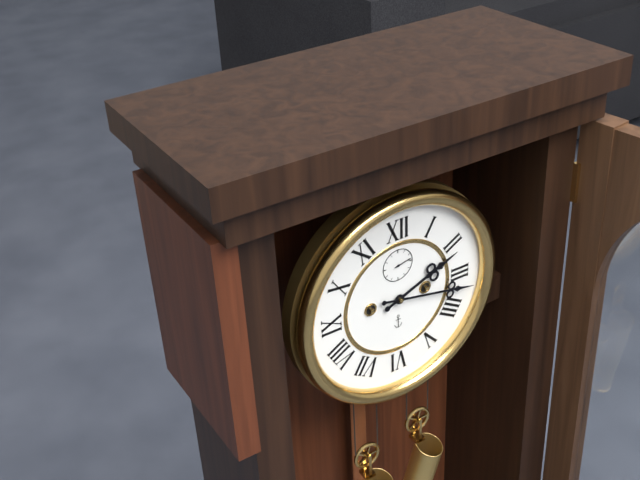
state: 2:17
